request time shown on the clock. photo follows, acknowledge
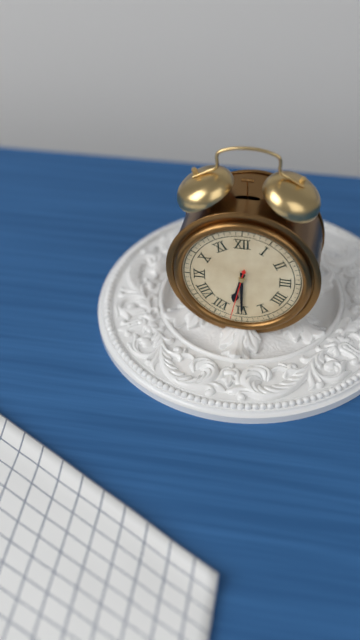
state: 6:30:32
